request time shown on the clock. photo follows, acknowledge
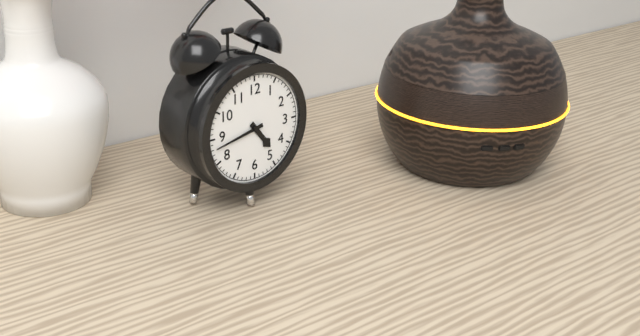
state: 4:43
